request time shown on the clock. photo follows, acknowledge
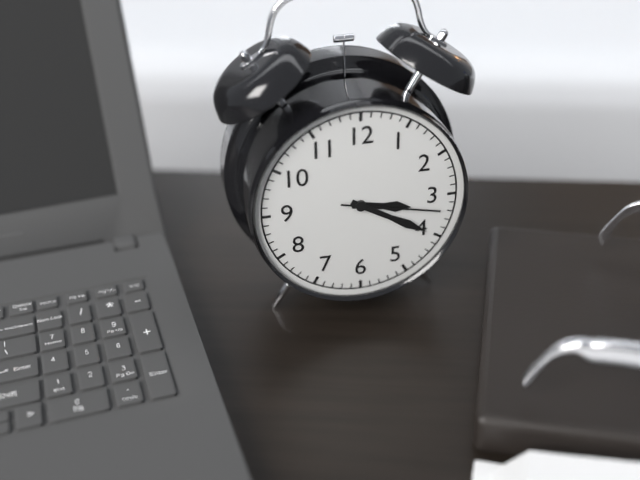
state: 3:20:17
